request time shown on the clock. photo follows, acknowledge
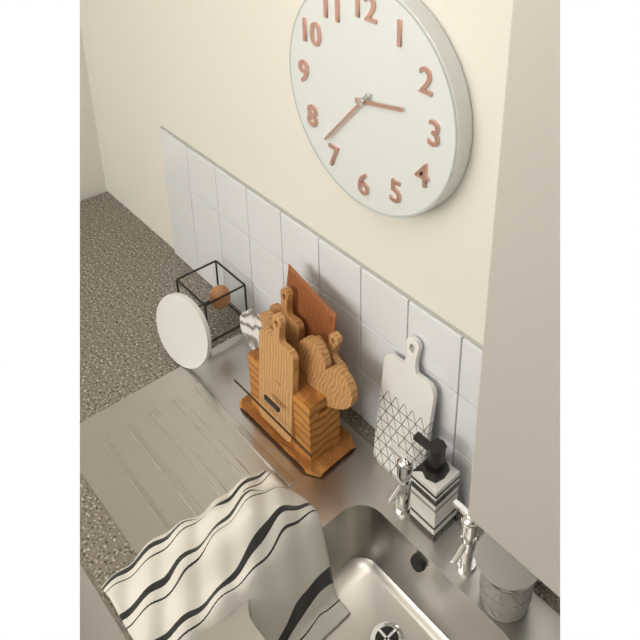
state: 2:37
